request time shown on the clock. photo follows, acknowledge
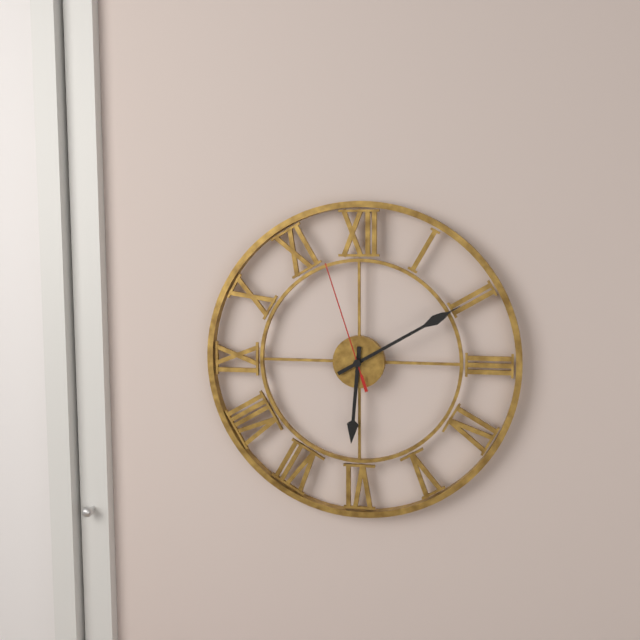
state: 6:10:57
